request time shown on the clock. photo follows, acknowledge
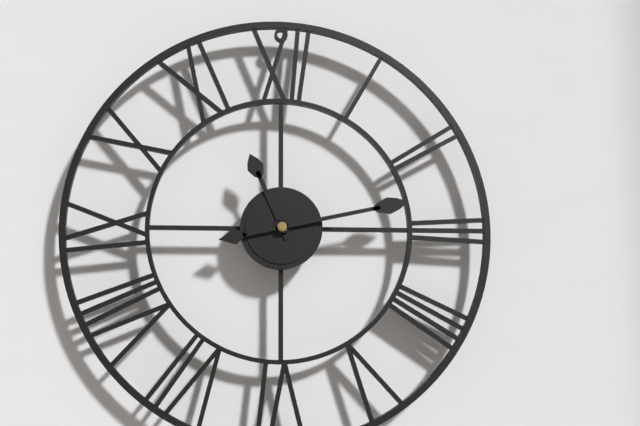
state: 11:13
